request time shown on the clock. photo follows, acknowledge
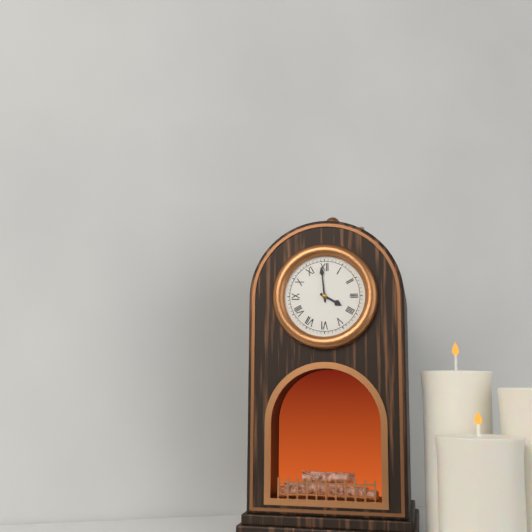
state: 3:59
